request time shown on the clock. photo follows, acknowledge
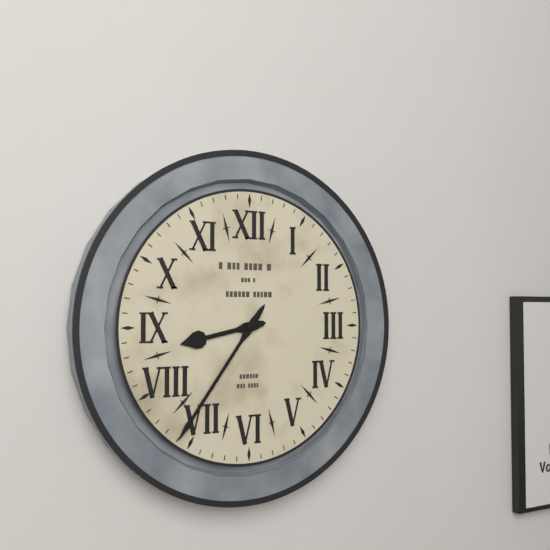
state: 8:36
